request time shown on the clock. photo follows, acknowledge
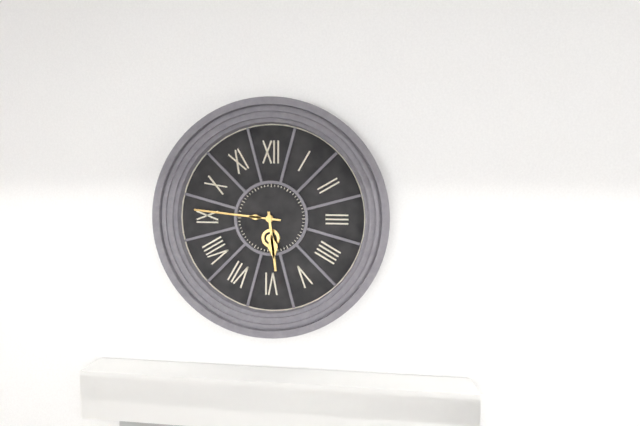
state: 5:46
